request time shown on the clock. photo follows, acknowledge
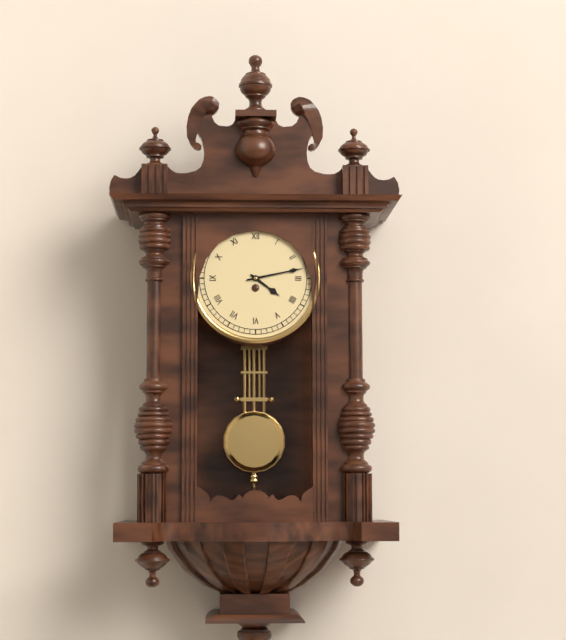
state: 4:13
